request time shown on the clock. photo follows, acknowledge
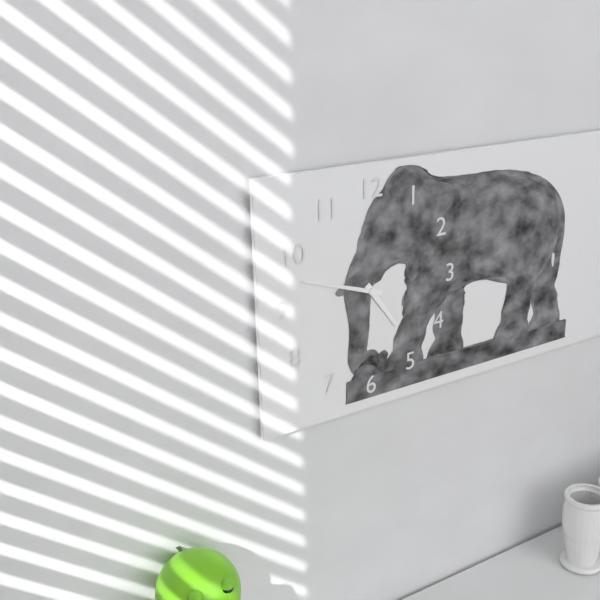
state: 4:48
